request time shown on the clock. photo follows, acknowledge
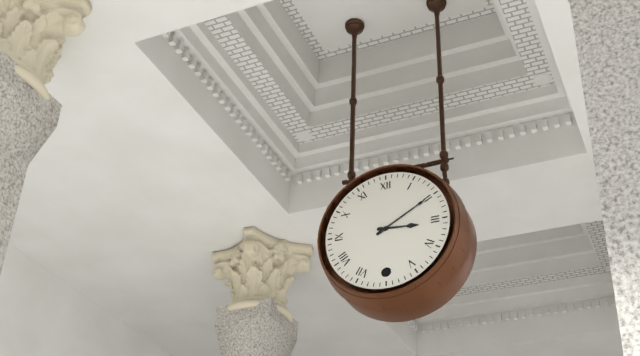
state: 3:10
